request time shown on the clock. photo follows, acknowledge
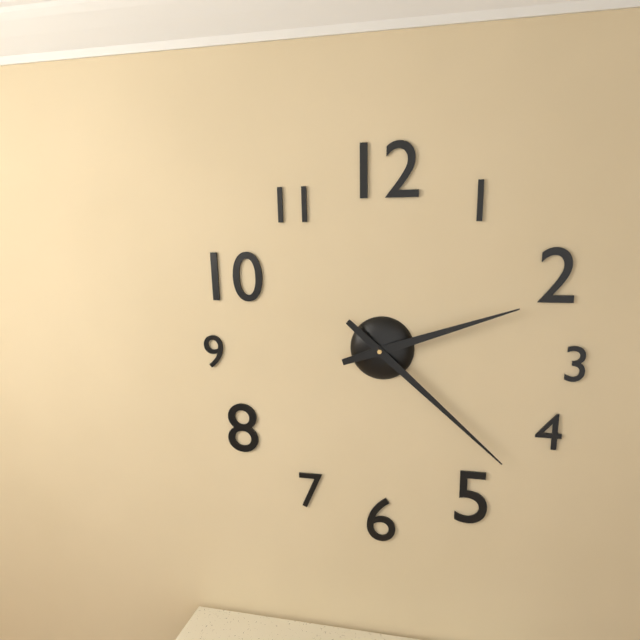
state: 2:22
